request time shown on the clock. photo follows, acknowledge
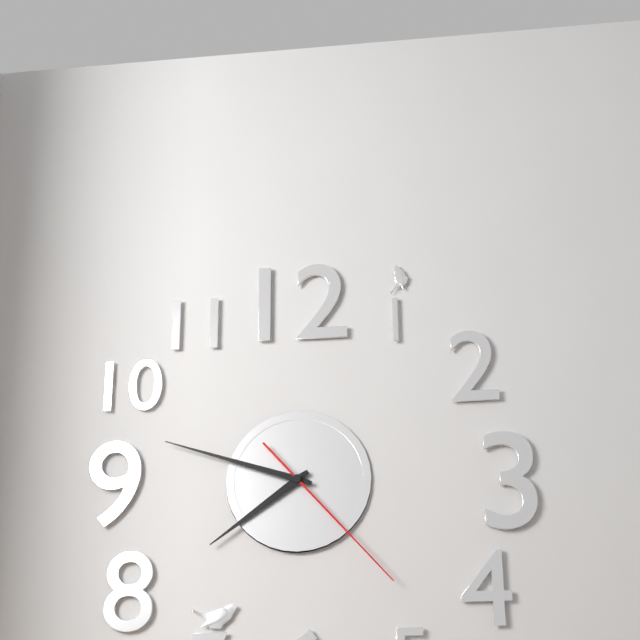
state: 7:48:23
